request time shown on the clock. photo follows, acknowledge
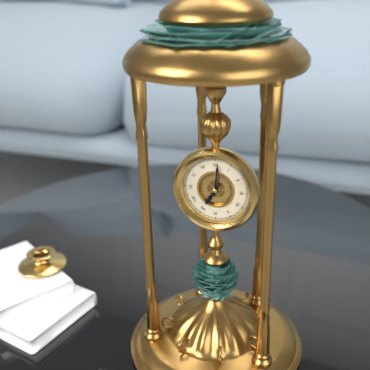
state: 7:01
